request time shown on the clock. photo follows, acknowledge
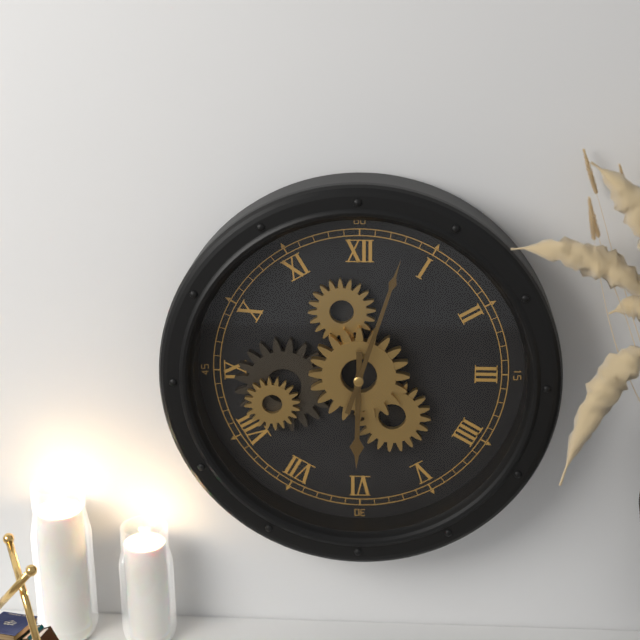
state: 6:03
